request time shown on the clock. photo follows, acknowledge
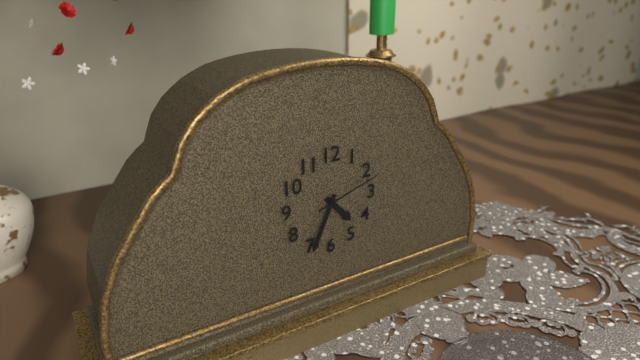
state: 4:34:12
